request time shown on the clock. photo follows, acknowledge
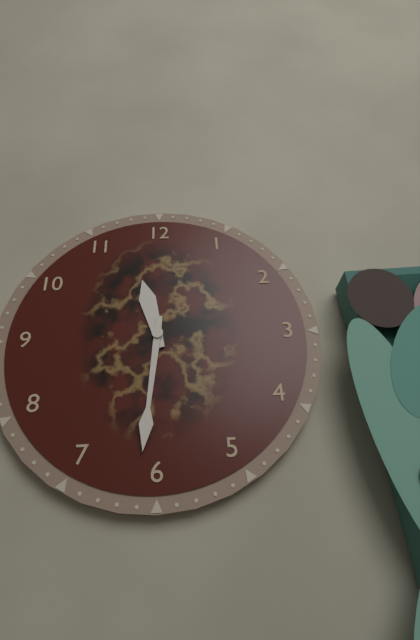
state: 11:31
